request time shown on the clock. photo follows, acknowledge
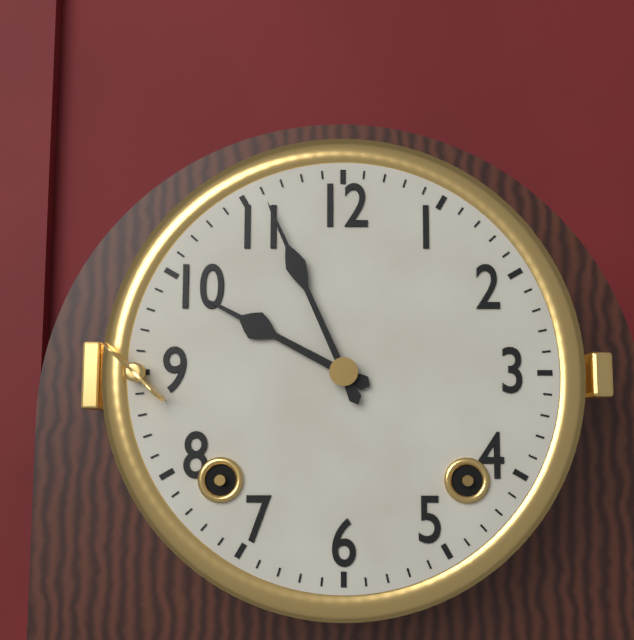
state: 9:56
